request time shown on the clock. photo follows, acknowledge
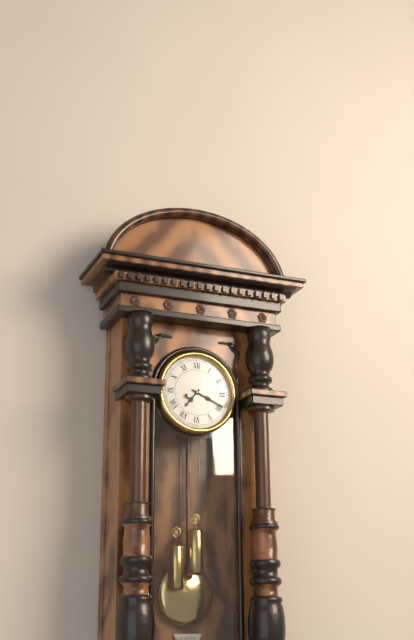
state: 7:19
